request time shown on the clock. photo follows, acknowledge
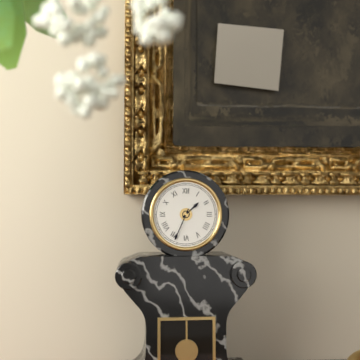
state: 1:34
